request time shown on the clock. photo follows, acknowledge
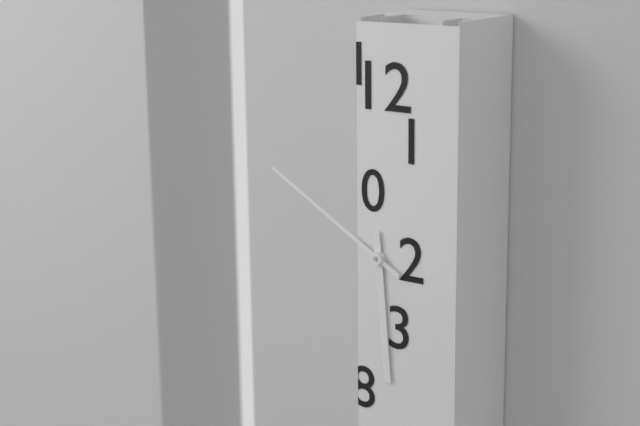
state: 5:50
